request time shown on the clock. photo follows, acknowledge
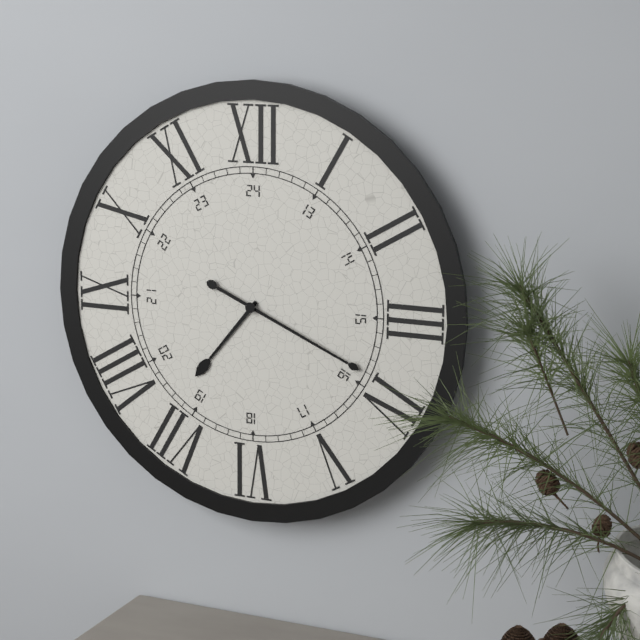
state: 7:19
